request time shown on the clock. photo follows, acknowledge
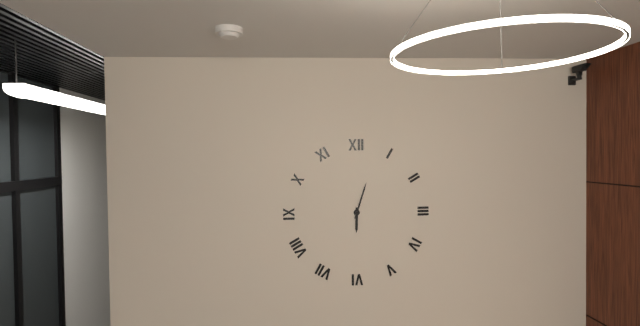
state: 6:03
